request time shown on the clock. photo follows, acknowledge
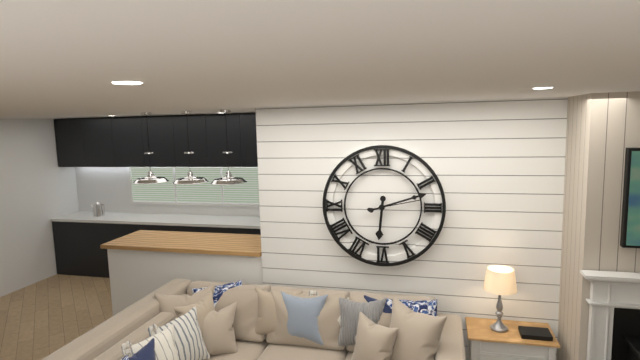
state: 6:12
